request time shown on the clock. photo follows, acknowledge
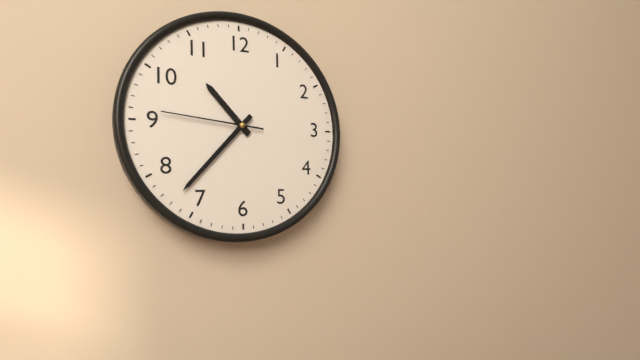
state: 10:37:46
